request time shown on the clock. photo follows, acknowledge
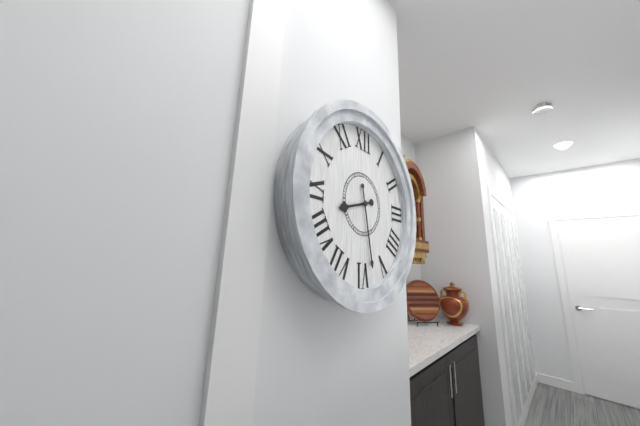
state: 8:28
